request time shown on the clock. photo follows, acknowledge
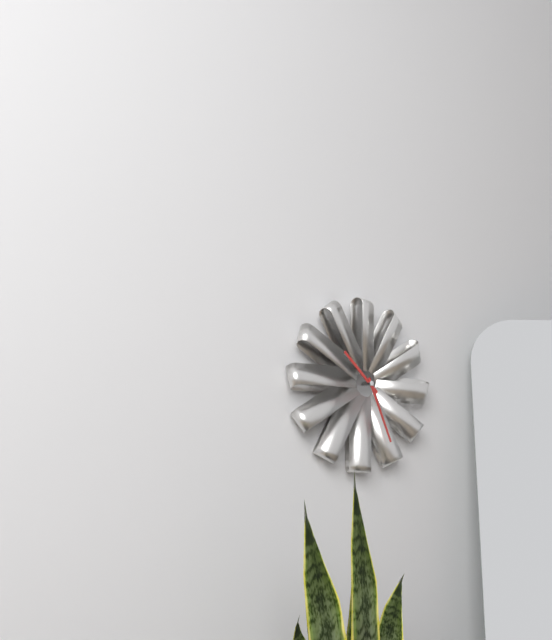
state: 10:26
